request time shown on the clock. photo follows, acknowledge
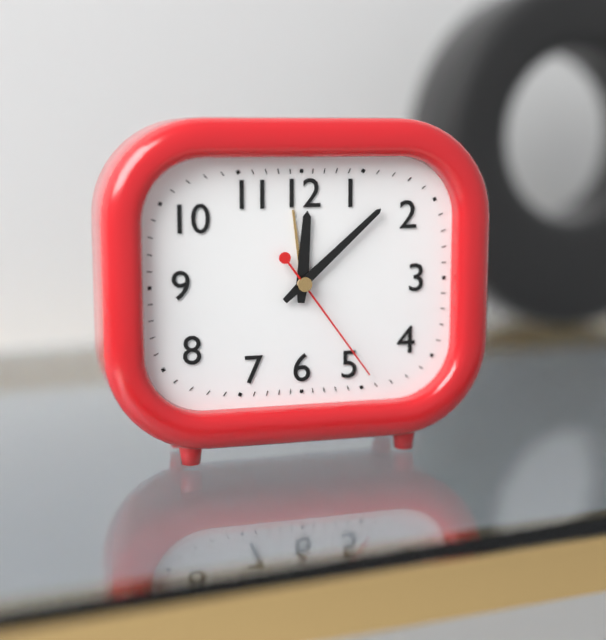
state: 12:08:24
